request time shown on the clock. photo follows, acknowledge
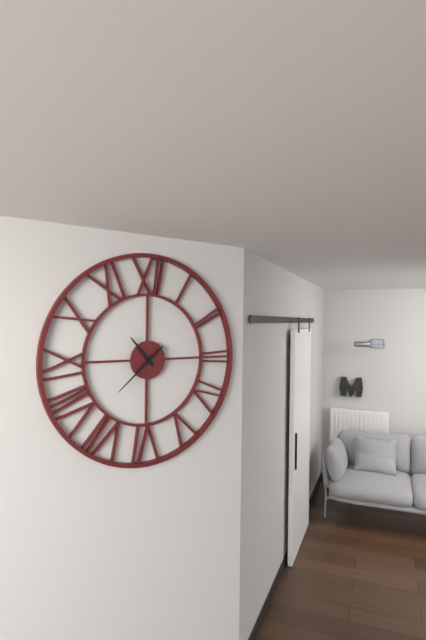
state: 10:38
